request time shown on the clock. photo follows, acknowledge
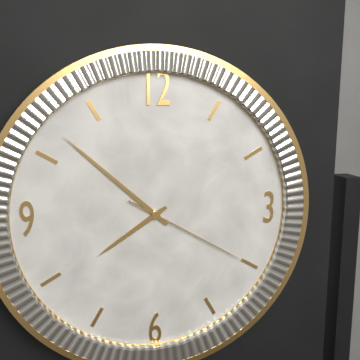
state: 7:52:20
